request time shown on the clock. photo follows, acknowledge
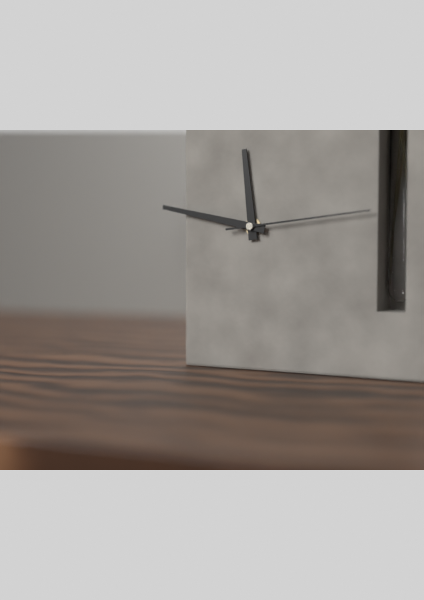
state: 11:47:14
